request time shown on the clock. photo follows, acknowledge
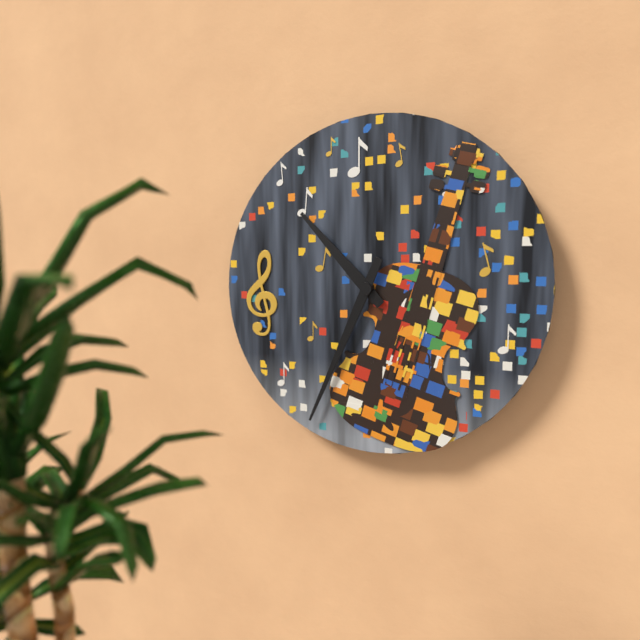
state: 10:34
